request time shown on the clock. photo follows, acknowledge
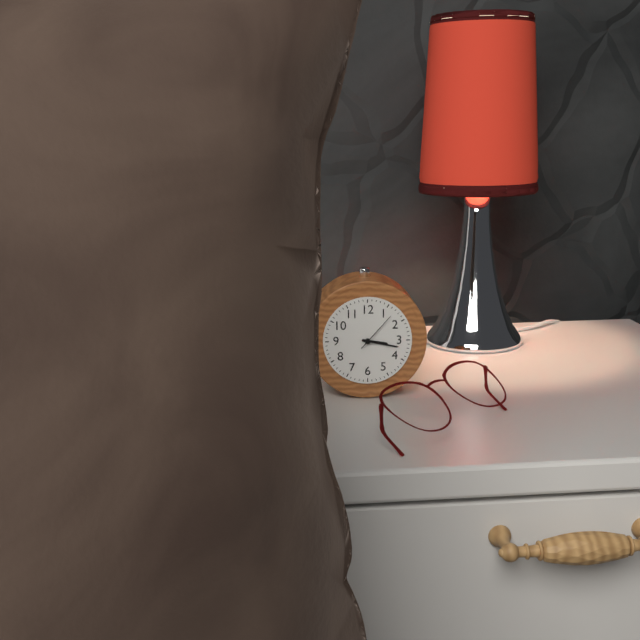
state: 3:17
